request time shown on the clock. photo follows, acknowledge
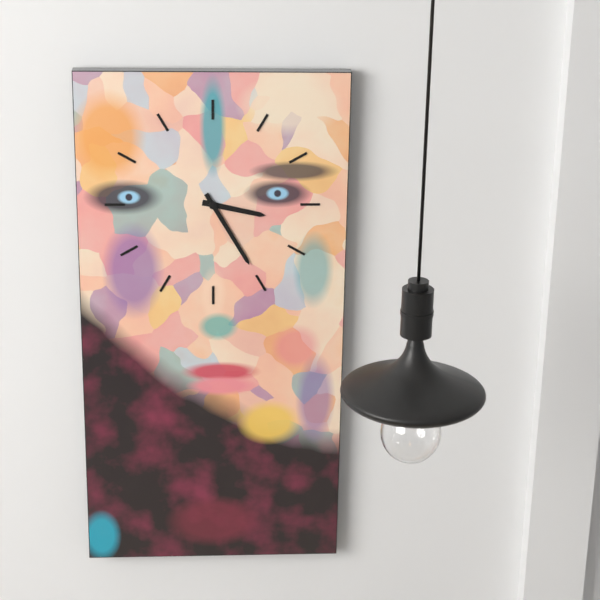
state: 3:25
